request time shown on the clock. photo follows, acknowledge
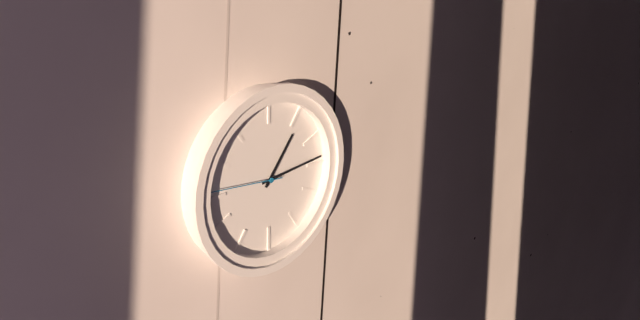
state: 1:14:46
